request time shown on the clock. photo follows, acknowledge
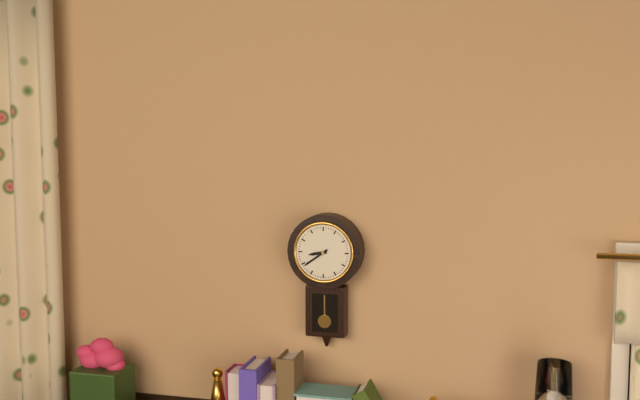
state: 8:39
